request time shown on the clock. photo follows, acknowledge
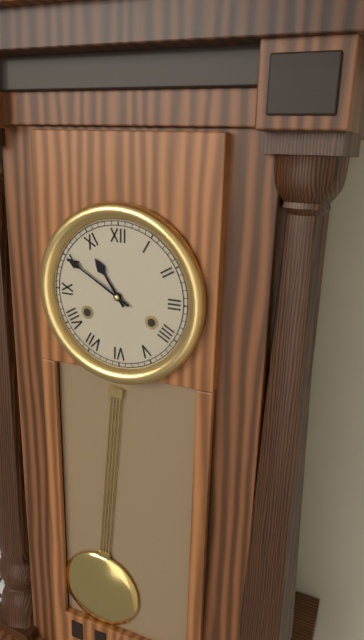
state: 10:50
